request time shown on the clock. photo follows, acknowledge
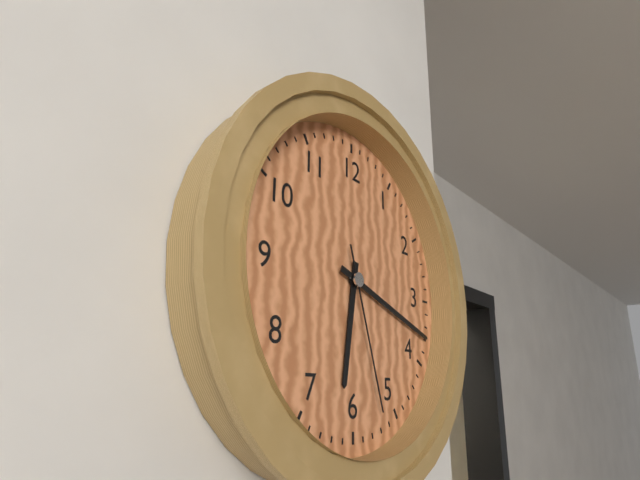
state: 6:18:27
